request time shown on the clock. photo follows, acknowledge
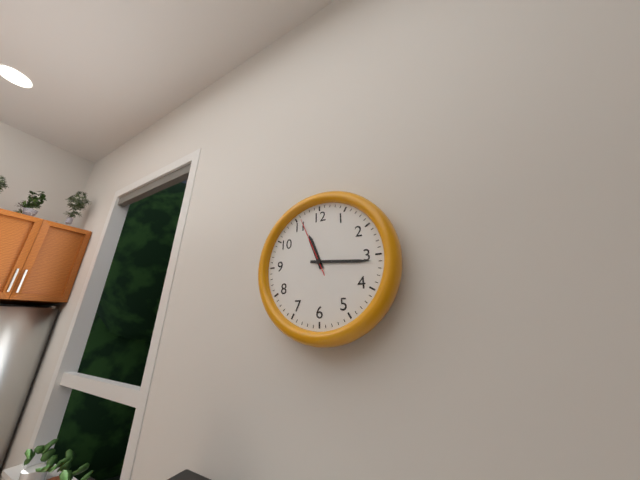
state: 11:16:56
